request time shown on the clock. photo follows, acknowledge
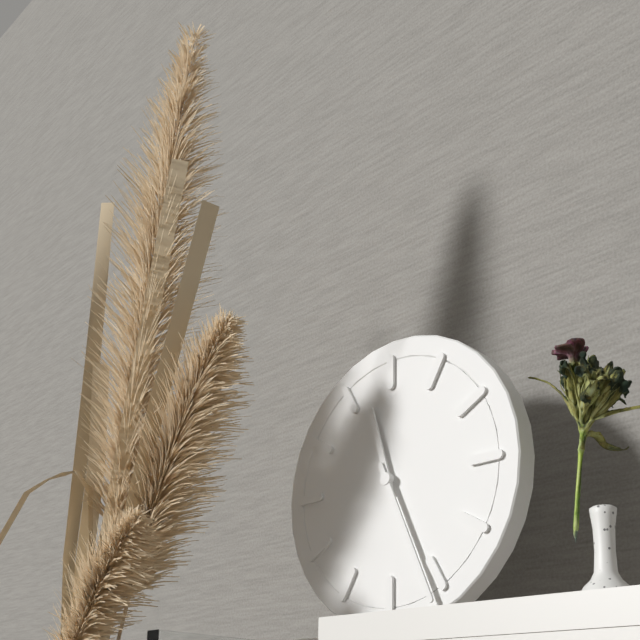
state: 11:26
